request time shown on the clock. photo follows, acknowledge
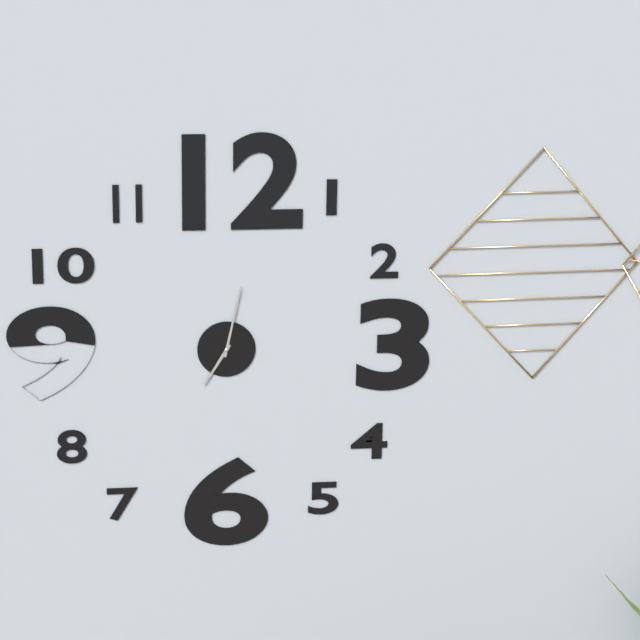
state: 7:02
